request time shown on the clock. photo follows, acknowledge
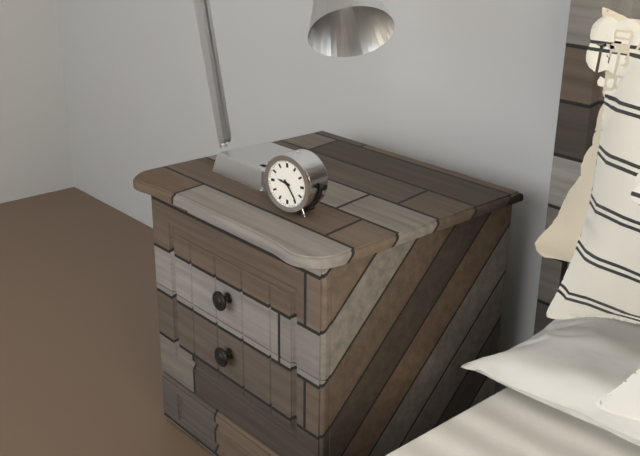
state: 9:24
